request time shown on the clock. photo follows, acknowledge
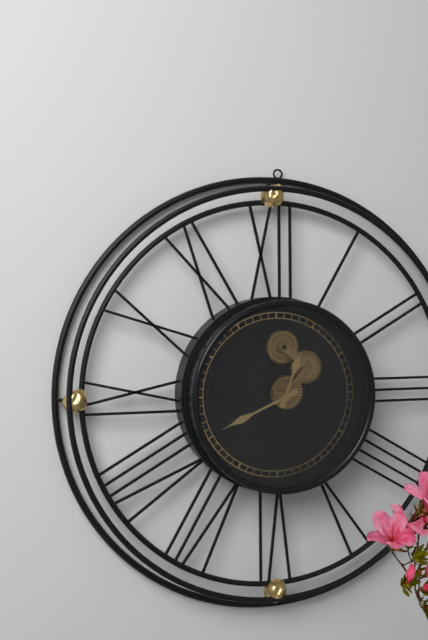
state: 12:41
